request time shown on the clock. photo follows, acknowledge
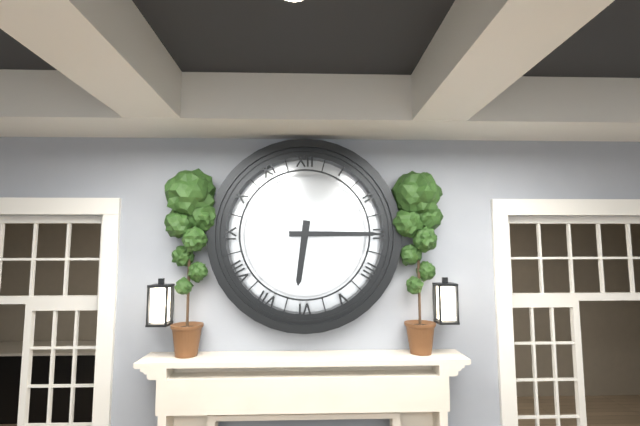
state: 6:15
